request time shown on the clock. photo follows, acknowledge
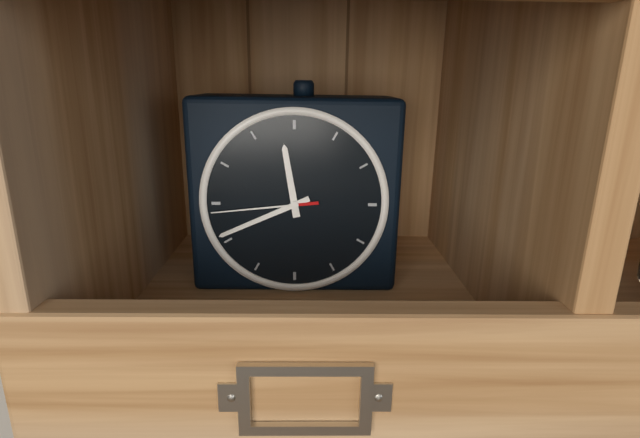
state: 11:41:44
